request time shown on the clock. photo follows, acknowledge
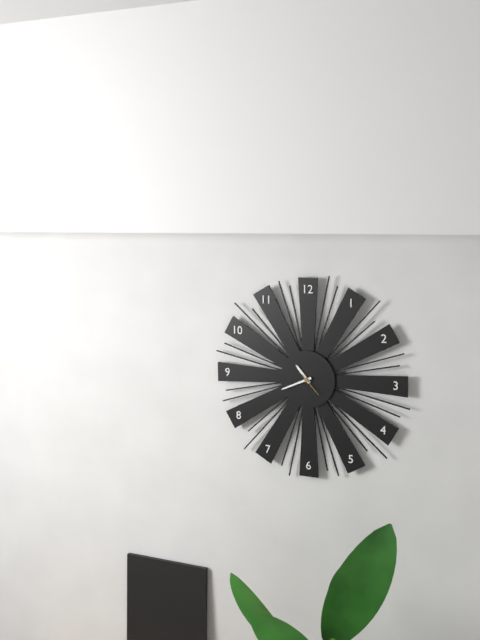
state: 10:41
